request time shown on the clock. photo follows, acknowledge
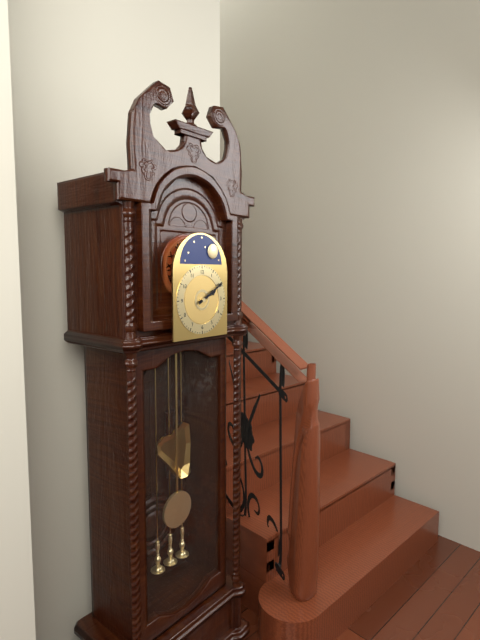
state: 2:10
